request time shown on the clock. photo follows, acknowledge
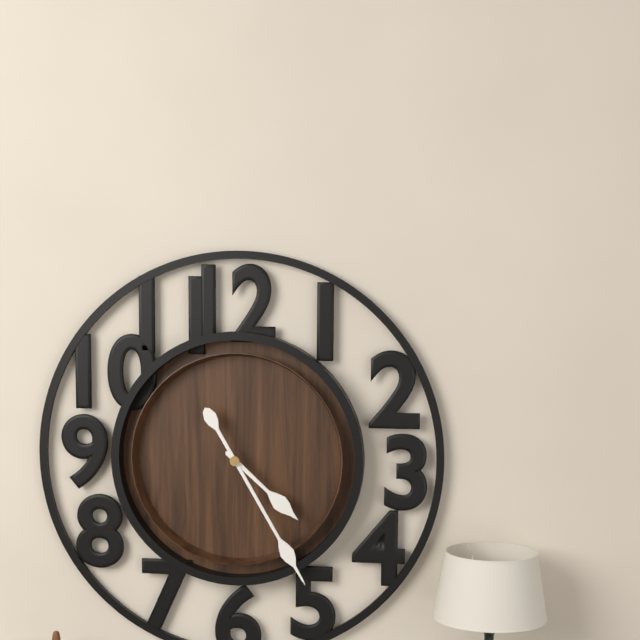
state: 4:25
